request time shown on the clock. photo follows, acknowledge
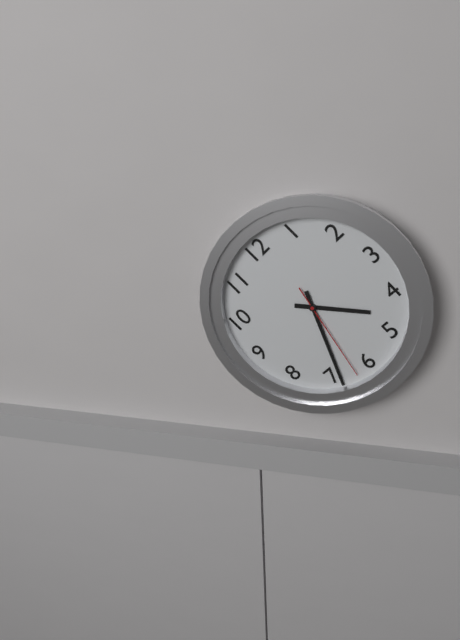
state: 4:34:32
